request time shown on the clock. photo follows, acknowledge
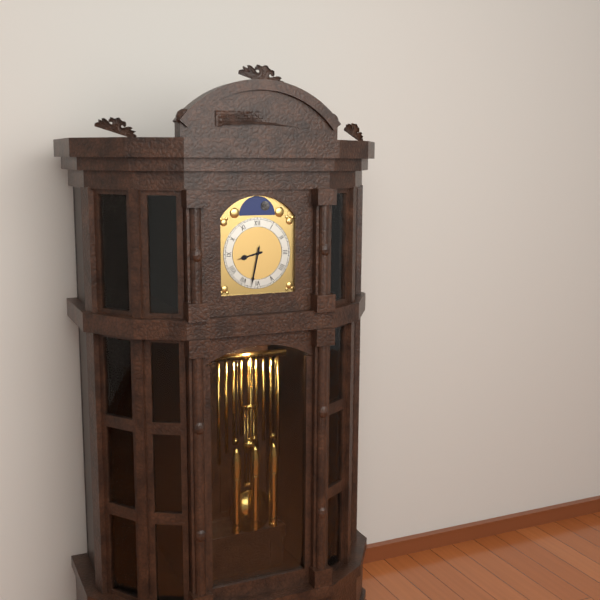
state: 8:32
